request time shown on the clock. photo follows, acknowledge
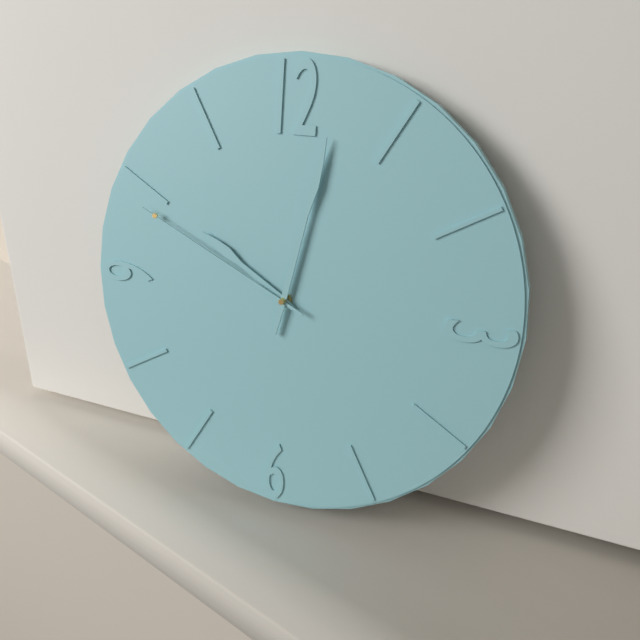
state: 10:02:49
